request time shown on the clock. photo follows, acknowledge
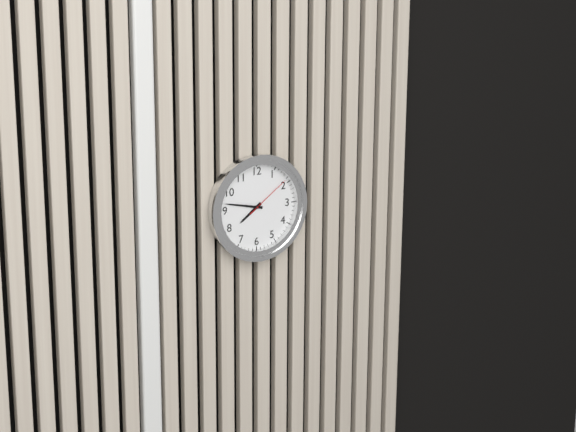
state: 7:47
